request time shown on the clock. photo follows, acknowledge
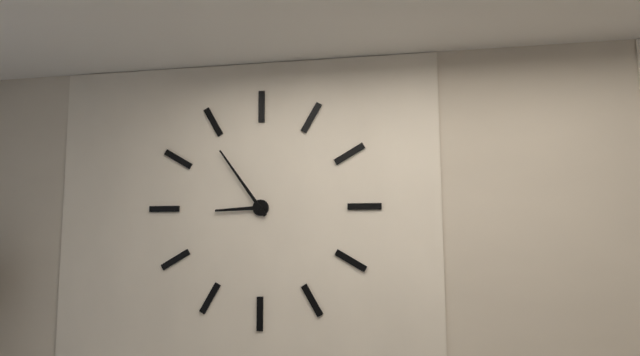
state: 8:54
